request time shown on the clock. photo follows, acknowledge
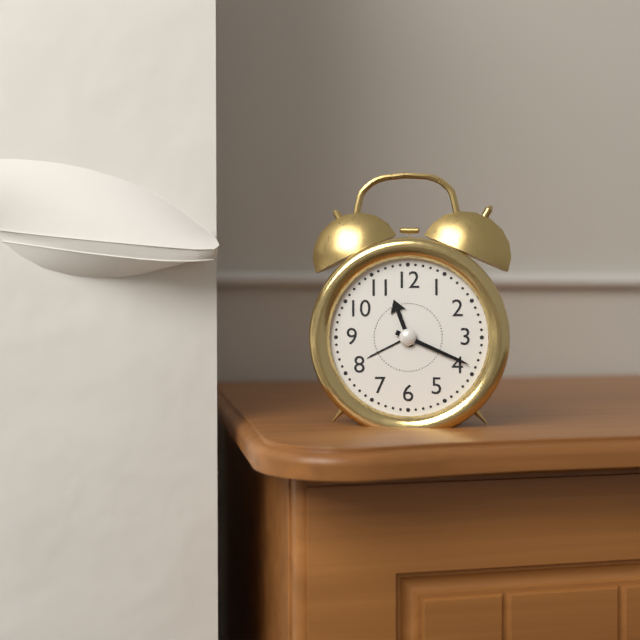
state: 11:19
